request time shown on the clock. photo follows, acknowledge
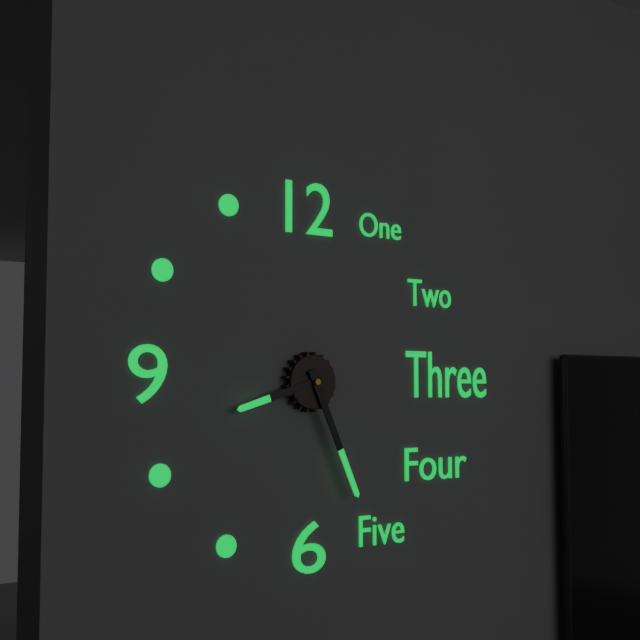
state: 8:26
